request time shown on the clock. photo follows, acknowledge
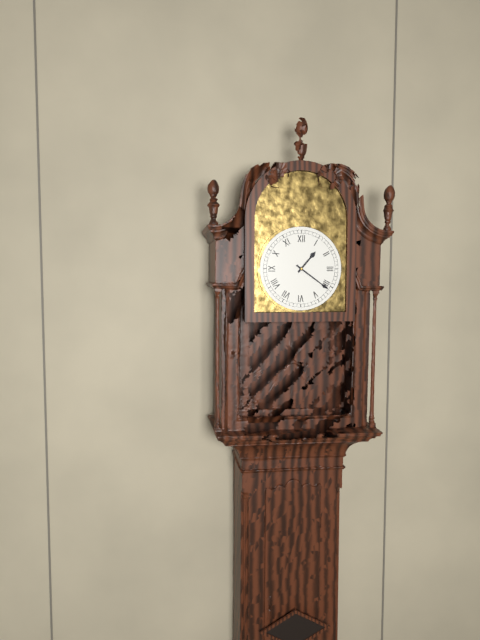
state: 1:21
